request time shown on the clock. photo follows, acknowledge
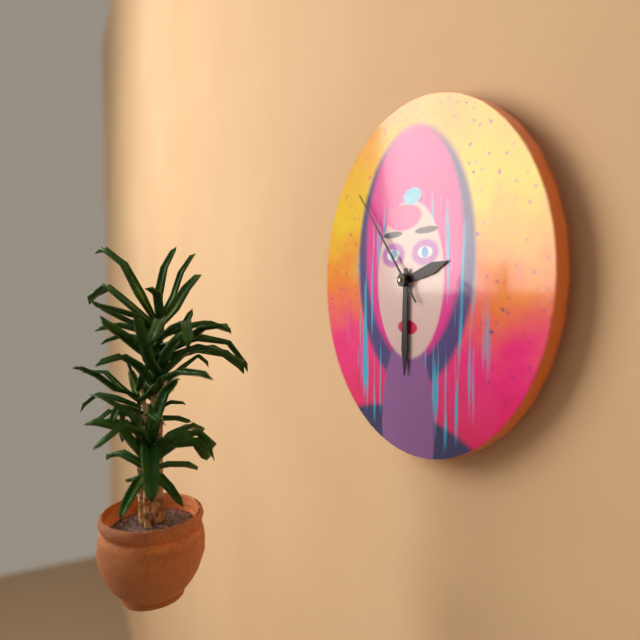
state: 2:30:53
